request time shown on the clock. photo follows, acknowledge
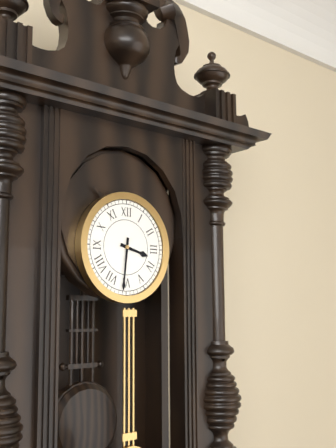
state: 3:31
